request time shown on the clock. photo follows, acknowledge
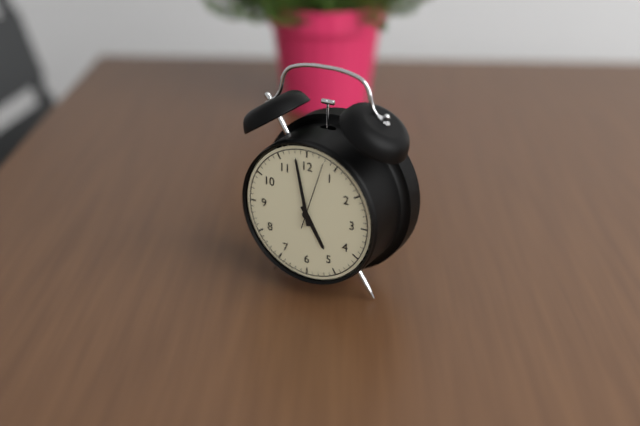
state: 4:58:03
